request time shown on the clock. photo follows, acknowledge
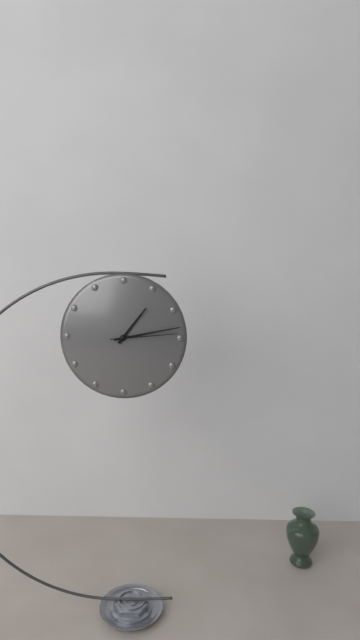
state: 1:13:14
